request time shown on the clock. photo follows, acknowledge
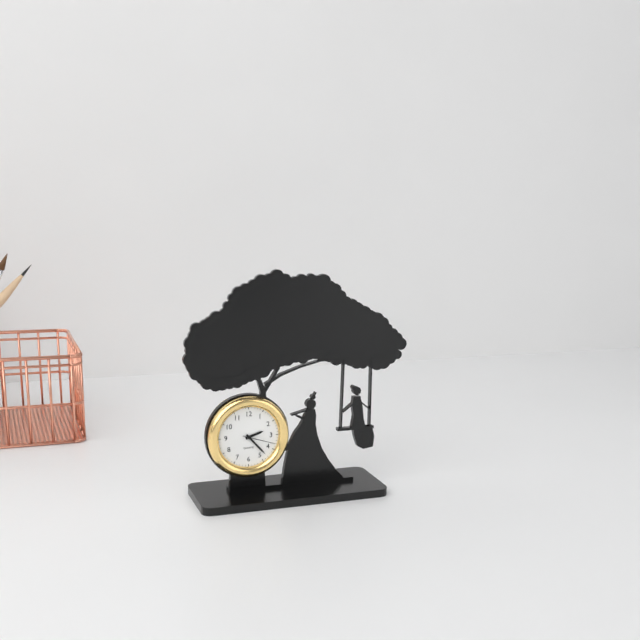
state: 2:23
